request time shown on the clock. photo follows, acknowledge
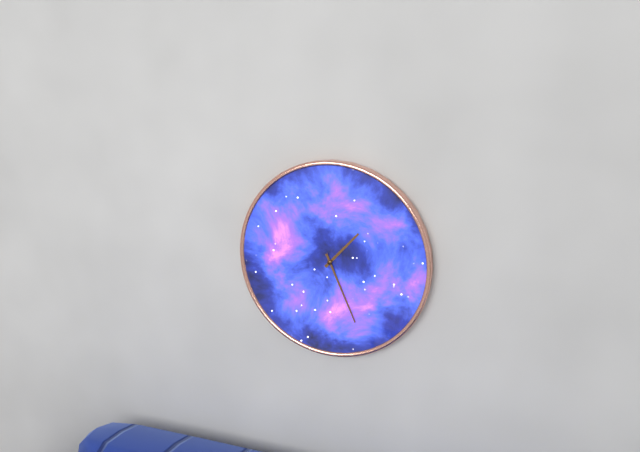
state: 1:26
